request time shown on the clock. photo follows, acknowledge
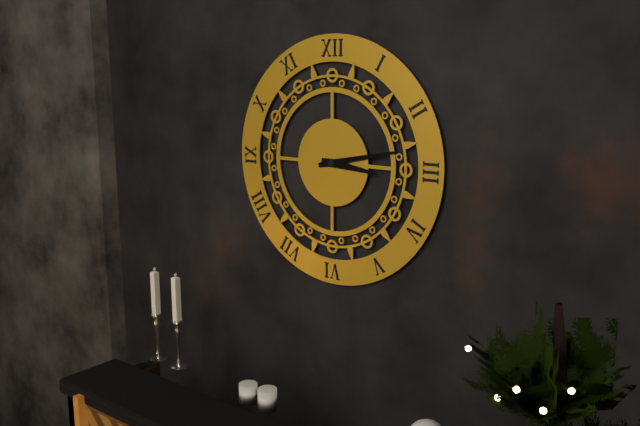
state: 3:13
